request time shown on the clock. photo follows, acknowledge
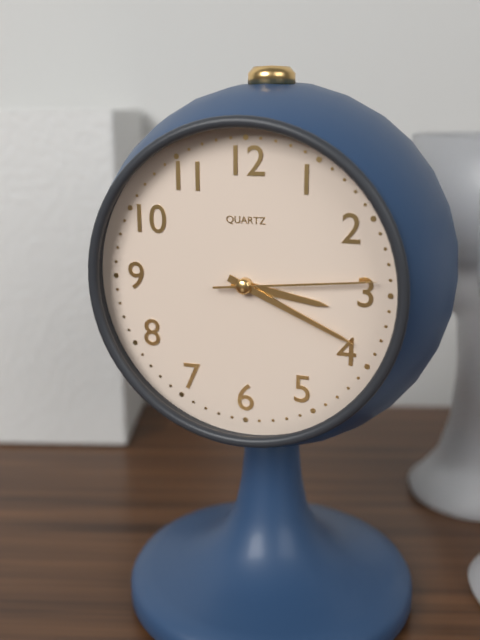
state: 3:19:14
